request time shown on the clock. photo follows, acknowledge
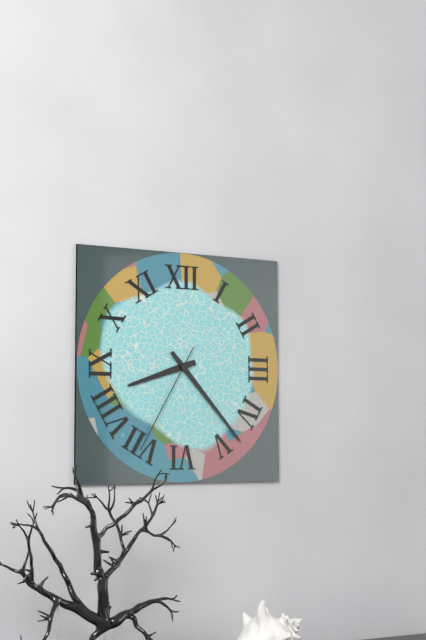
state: 8:23:35
